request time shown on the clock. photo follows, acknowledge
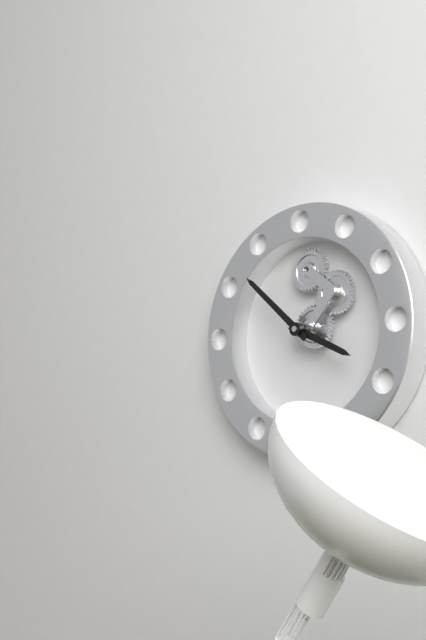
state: 3:52
